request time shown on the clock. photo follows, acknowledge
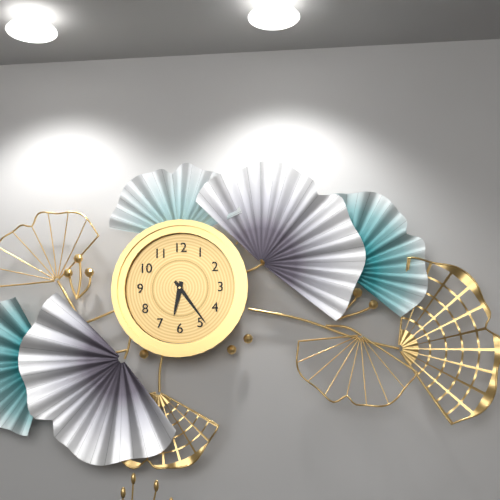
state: 6:24
